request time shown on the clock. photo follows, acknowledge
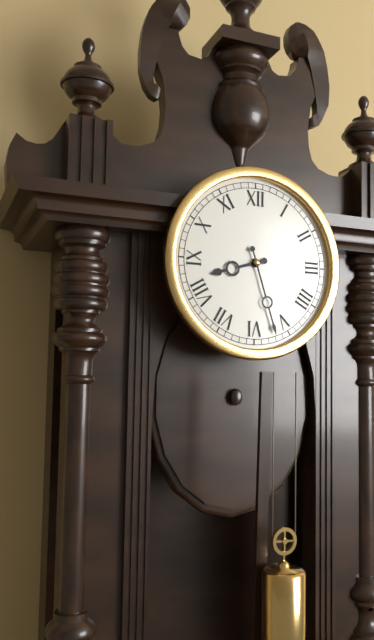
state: 8:27
